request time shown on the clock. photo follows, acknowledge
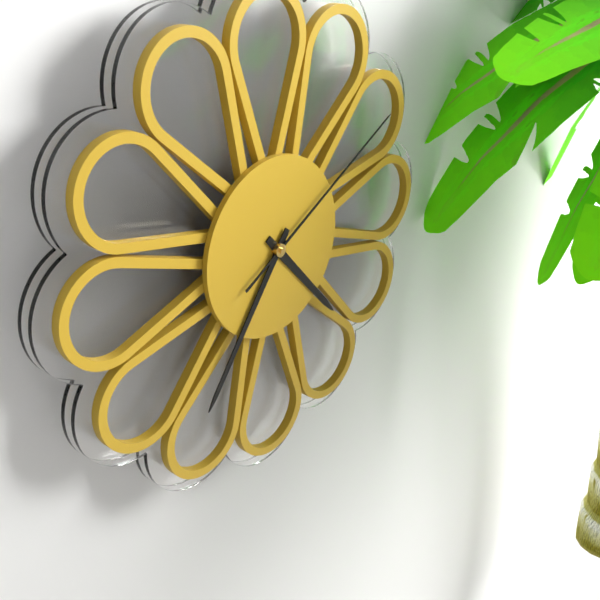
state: 4:36:10
